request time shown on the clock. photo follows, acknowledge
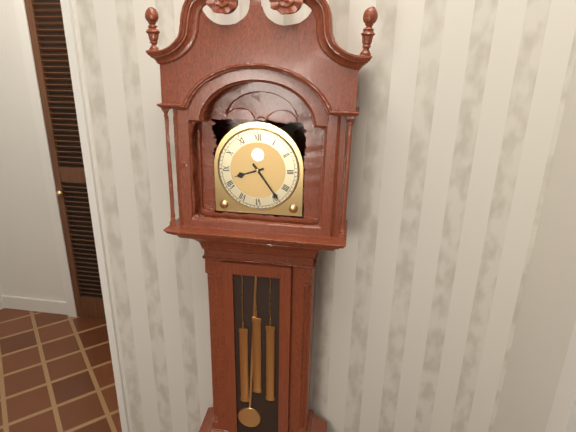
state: 8:24
